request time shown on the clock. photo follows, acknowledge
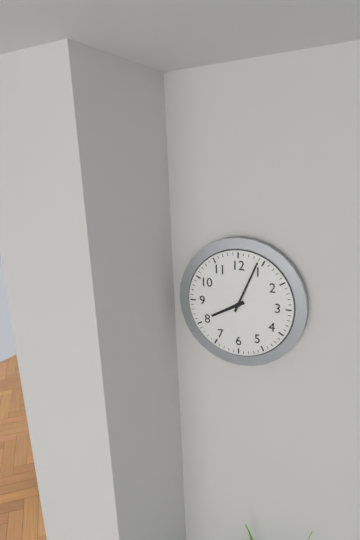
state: 8:04
